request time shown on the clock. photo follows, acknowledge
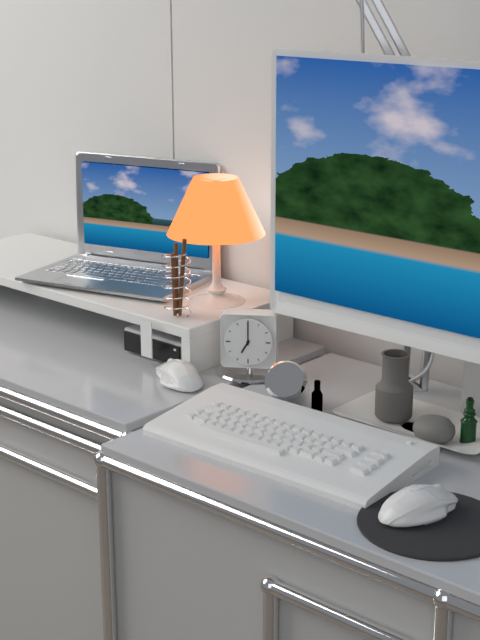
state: 7:00
